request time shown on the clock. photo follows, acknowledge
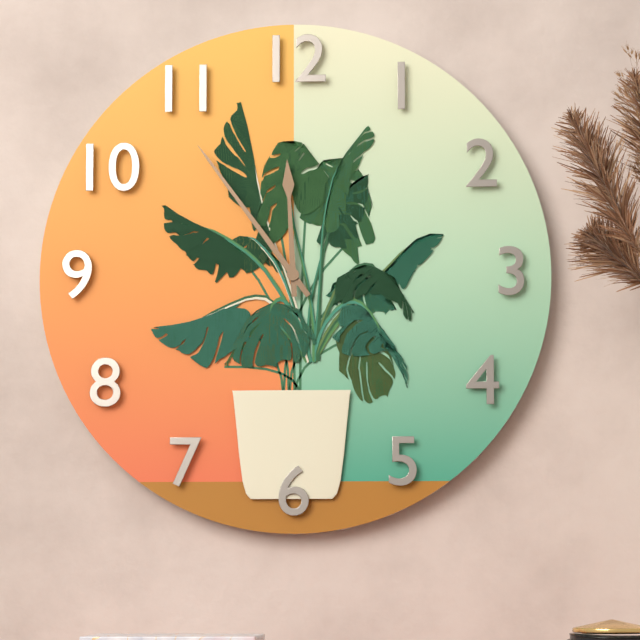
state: 11:54
